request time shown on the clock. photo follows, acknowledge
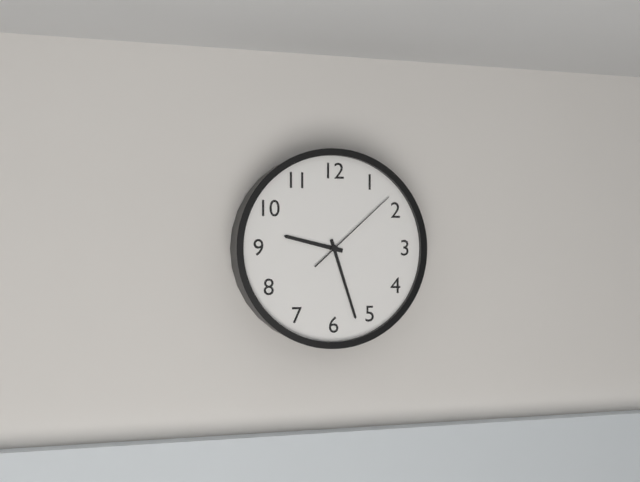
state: 9:27:08
